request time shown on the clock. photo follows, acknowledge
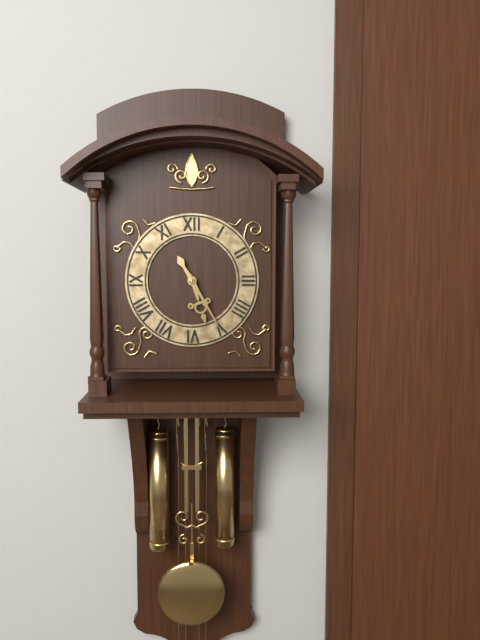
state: 5:25
